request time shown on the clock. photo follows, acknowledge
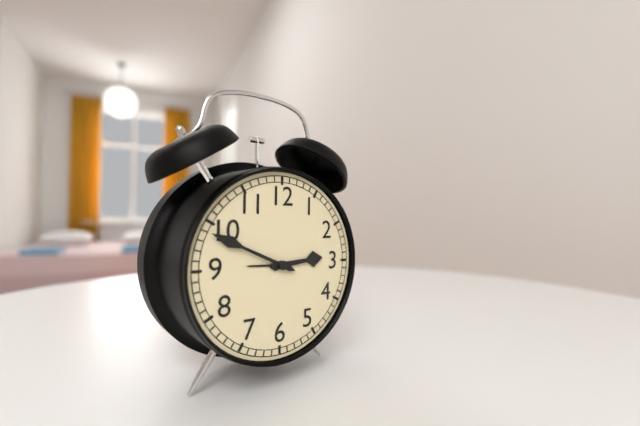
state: 2:49
